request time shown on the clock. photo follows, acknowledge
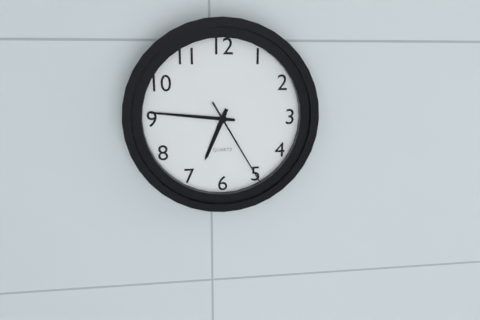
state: 6:46:25
